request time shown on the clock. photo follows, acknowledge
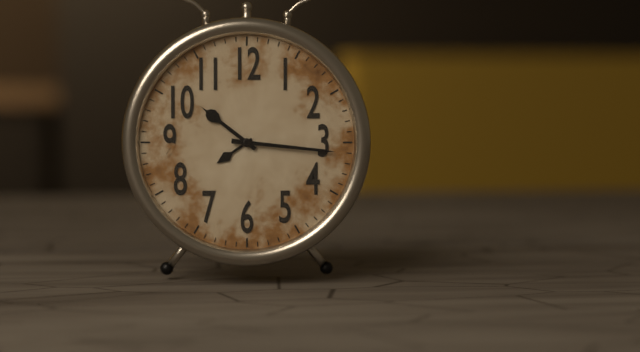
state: 10:16
